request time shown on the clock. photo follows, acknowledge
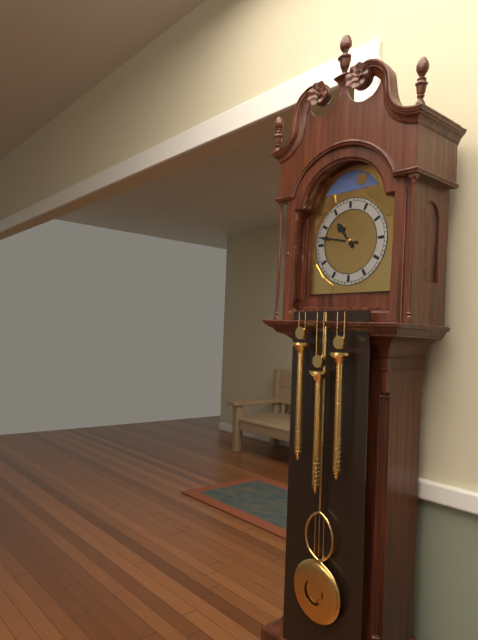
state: 10:47
